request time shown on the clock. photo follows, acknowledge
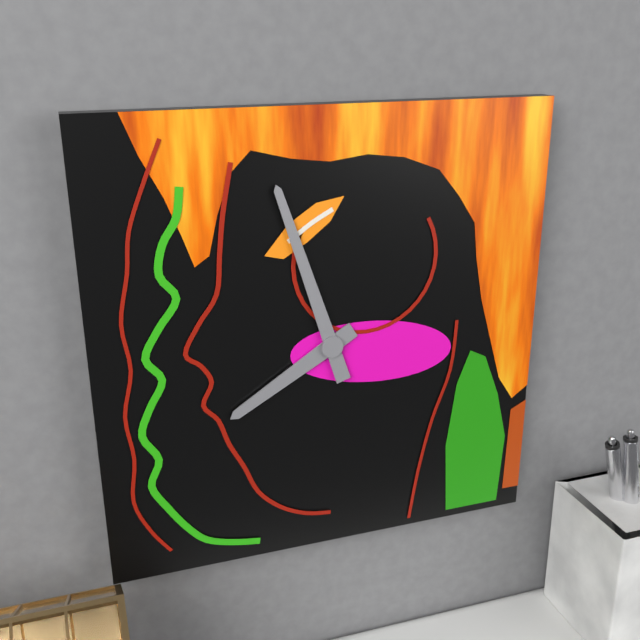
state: 7:57
